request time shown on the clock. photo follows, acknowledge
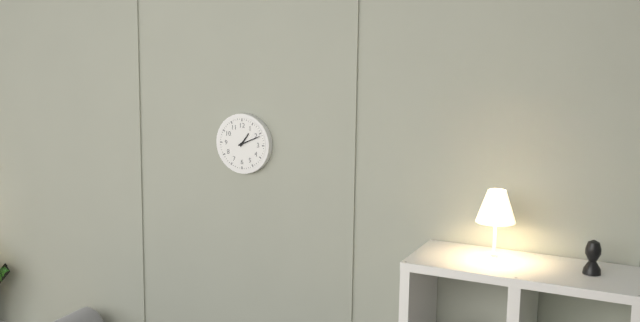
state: 1:11
